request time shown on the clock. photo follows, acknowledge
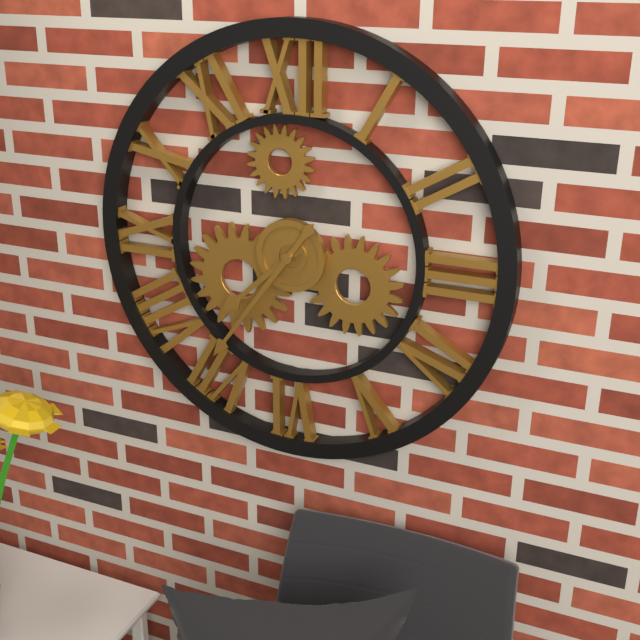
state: 7:36
